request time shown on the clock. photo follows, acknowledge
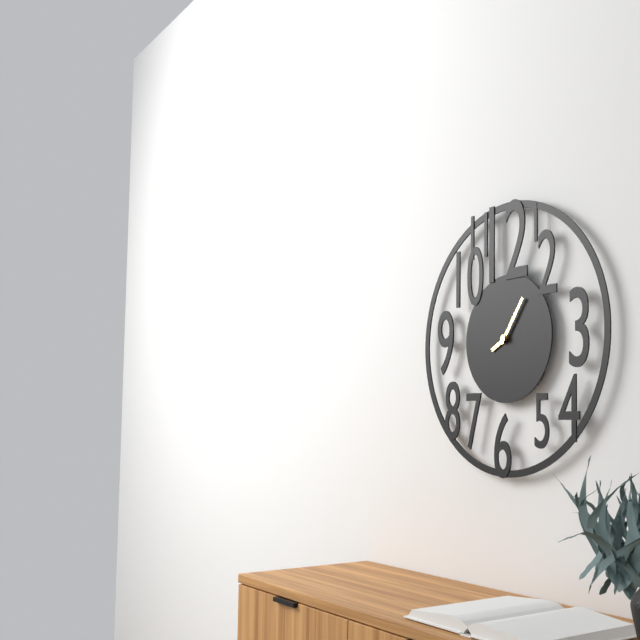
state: 8:06
